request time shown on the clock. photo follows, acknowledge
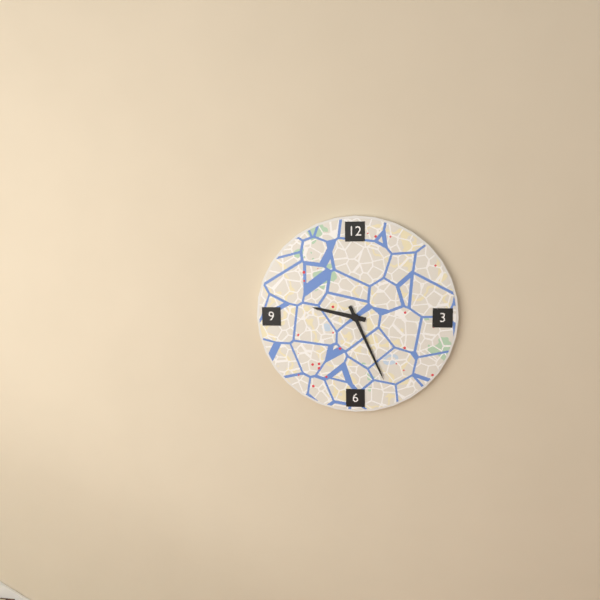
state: 9:26
